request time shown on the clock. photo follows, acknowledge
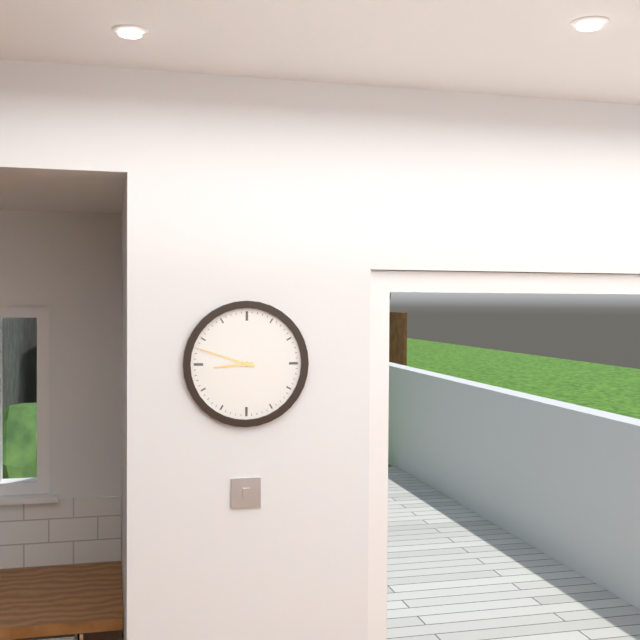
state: 8:48
